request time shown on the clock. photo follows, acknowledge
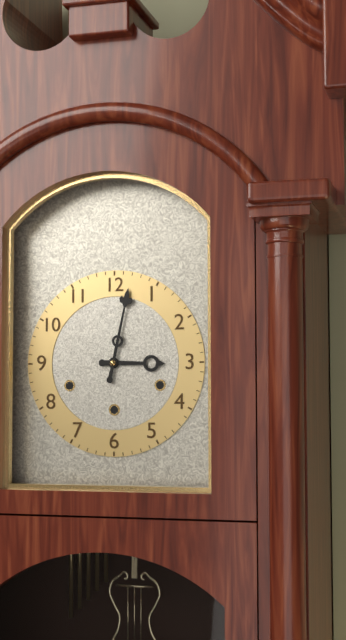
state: 3:02
